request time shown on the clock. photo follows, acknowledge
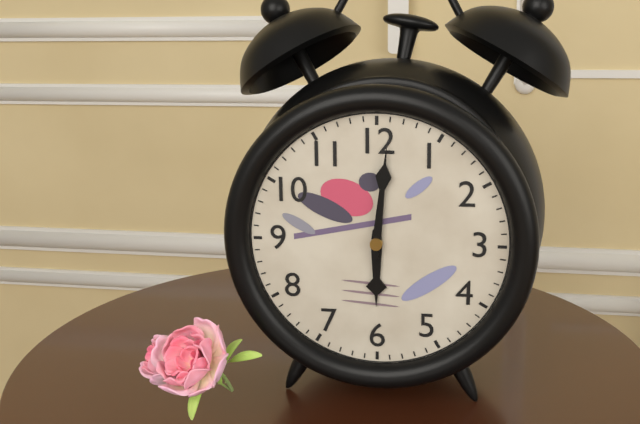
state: 6:01
